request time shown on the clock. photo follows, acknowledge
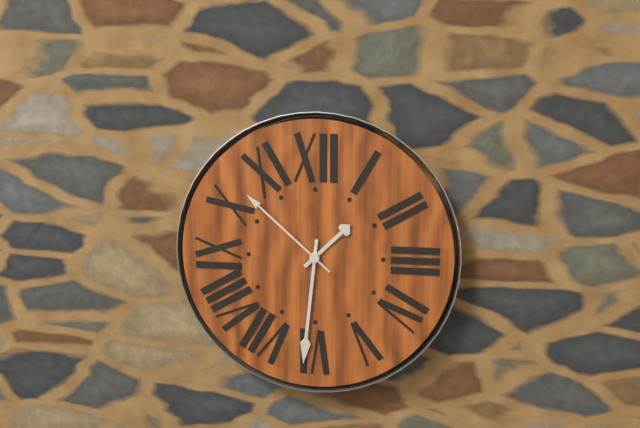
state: 1:31:52
